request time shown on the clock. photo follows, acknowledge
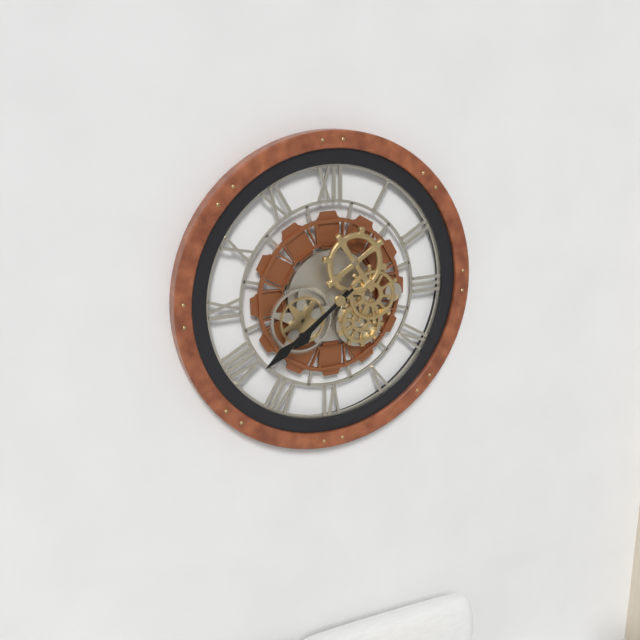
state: 7:39
